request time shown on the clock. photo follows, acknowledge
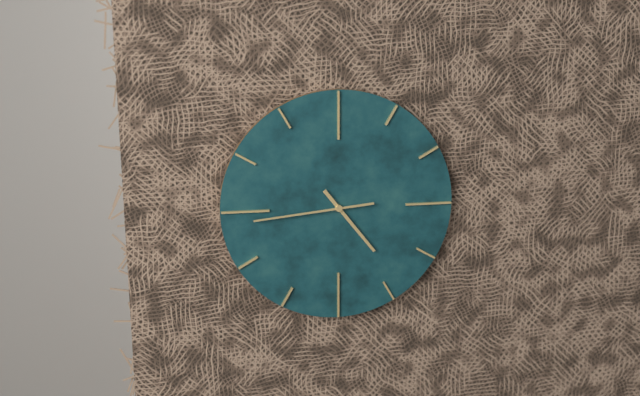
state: 4:44
